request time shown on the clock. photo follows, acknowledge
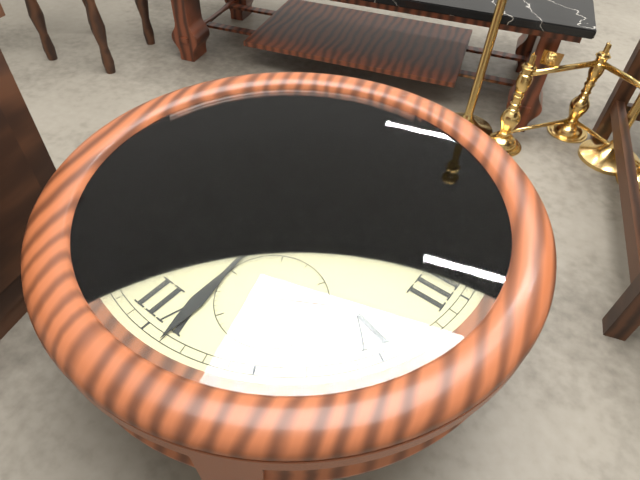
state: 1:34:15
